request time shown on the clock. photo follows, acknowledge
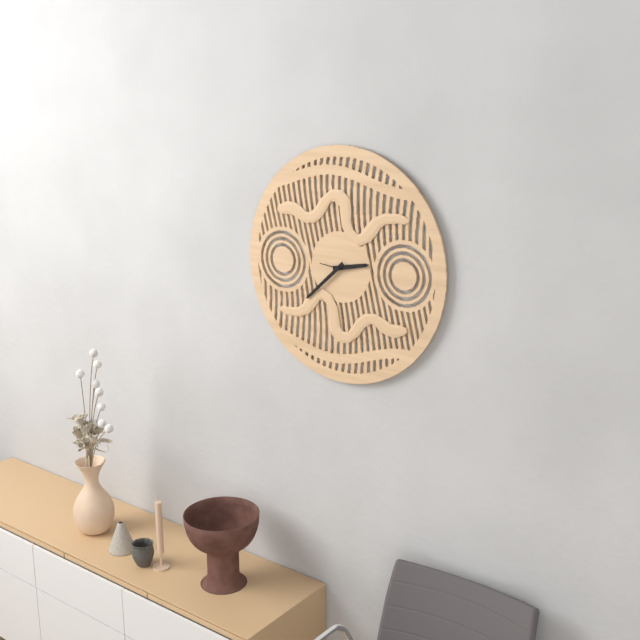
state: 2:38
